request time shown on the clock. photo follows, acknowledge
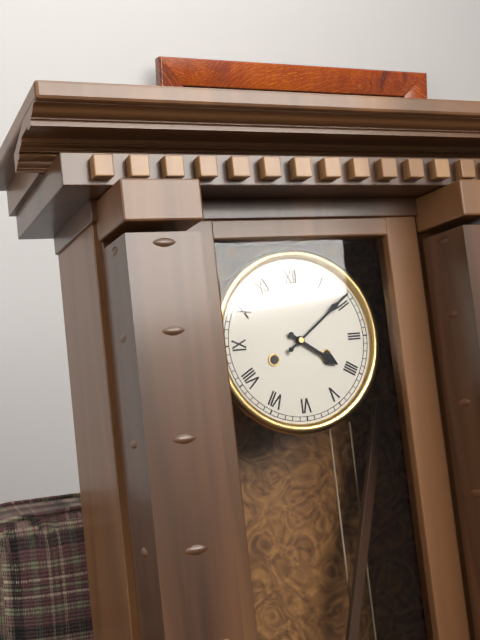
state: 4:09
